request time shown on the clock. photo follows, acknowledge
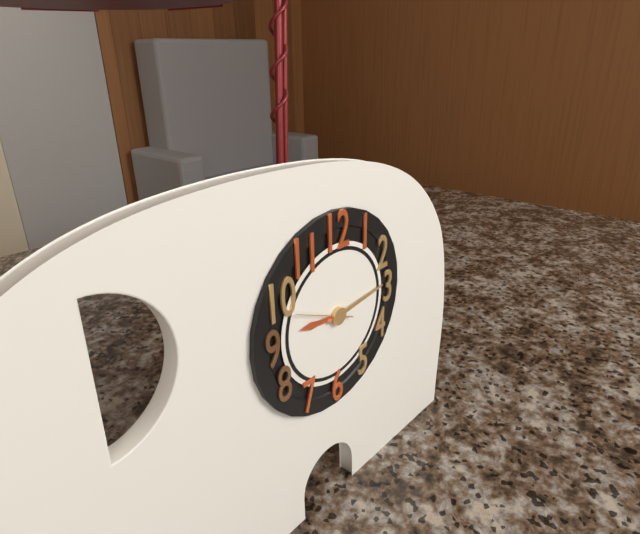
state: 9:14:49
